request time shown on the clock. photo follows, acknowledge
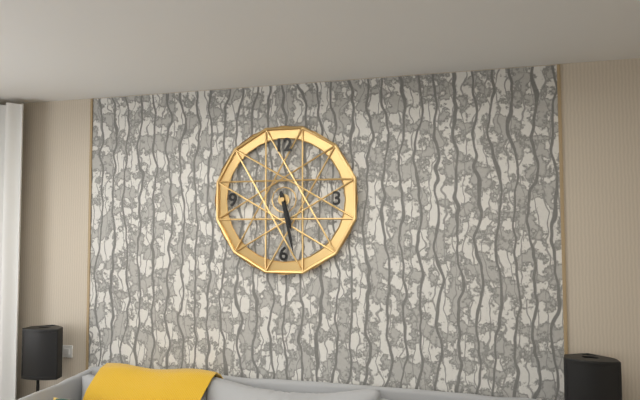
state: 5:28
